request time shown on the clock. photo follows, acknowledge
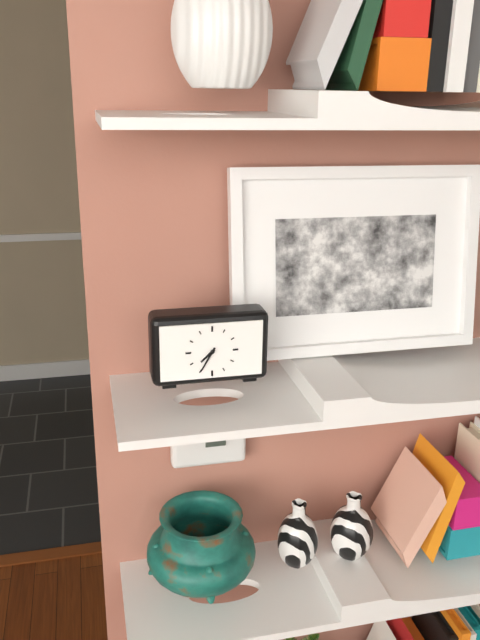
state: 7:35
